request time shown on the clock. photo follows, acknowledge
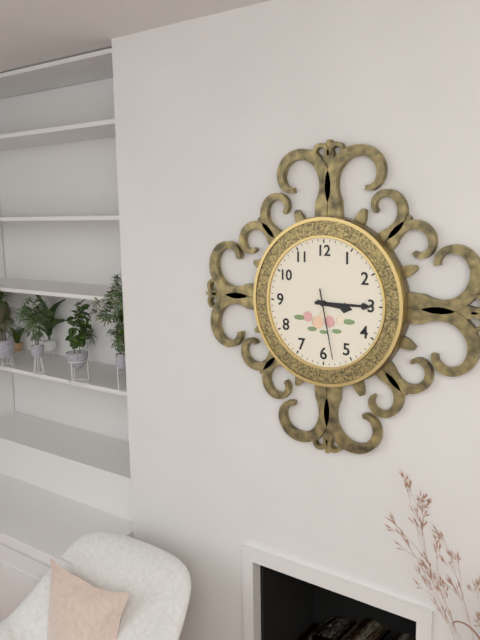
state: 3:15:28
